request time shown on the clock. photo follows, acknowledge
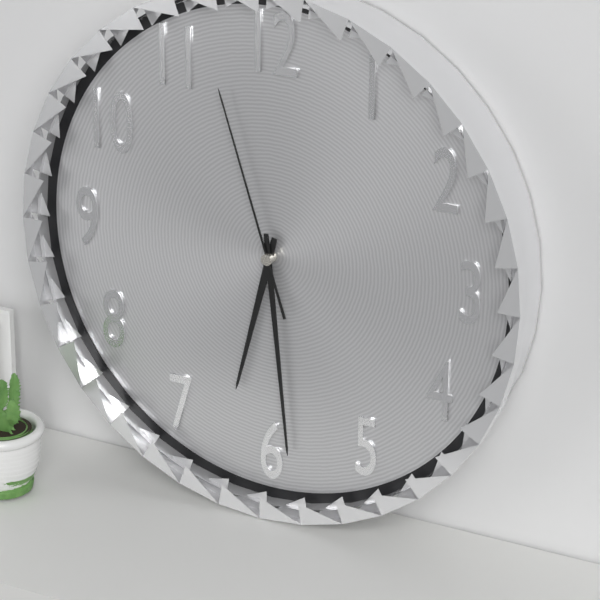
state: 6:29:57
